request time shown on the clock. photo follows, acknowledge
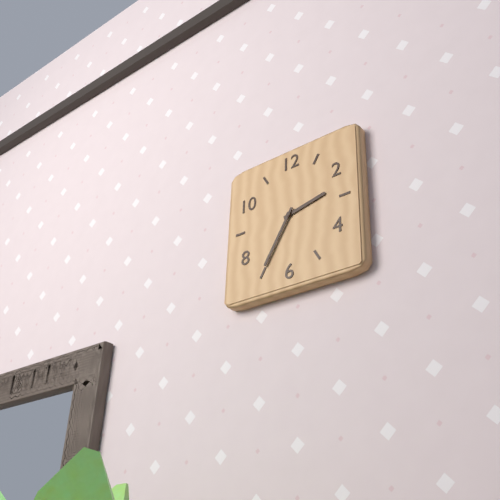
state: 2:35
